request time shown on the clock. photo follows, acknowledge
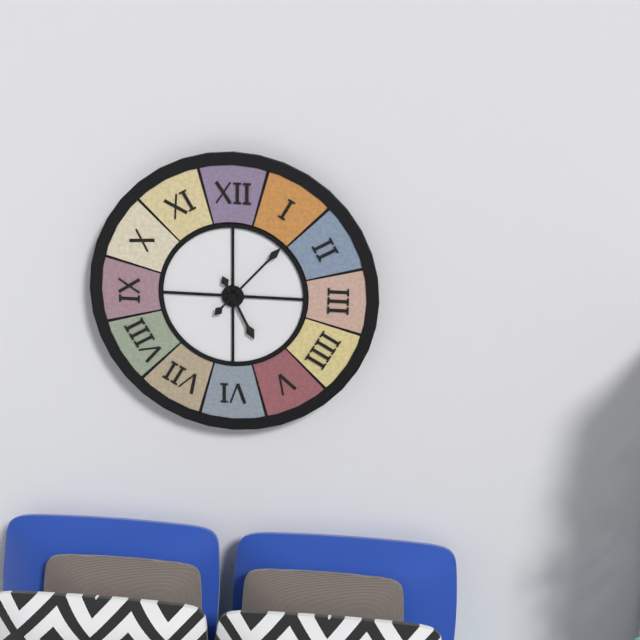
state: 5:07
